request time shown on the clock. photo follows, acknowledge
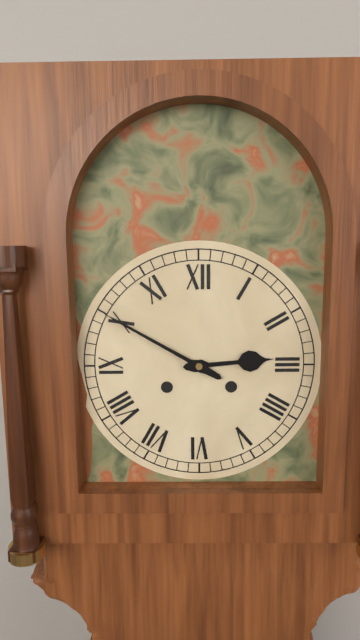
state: 2:50
